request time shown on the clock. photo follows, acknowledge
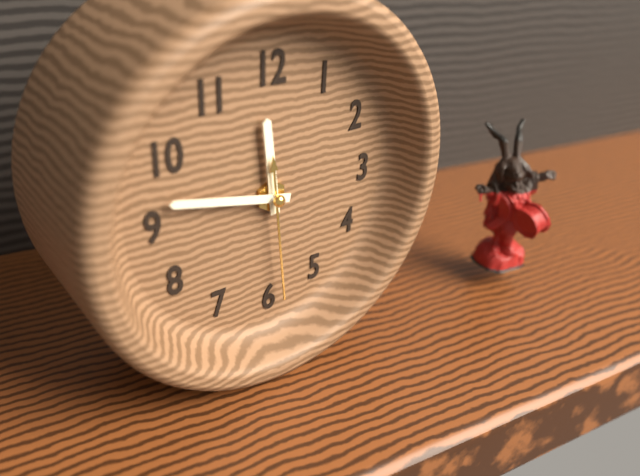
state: 11:47:29
